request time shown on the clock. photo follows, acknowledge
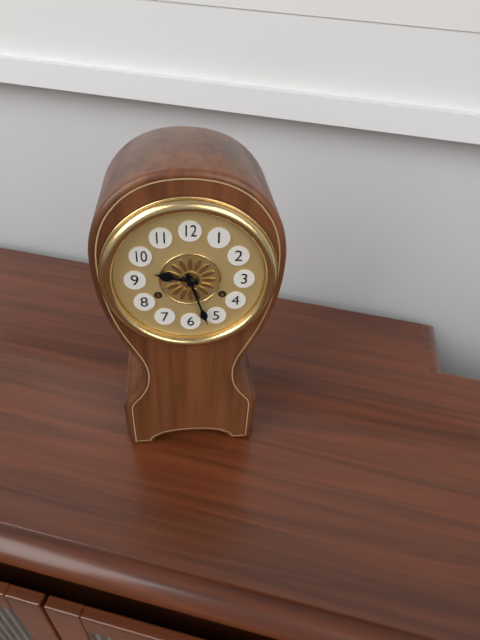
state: 9:27
